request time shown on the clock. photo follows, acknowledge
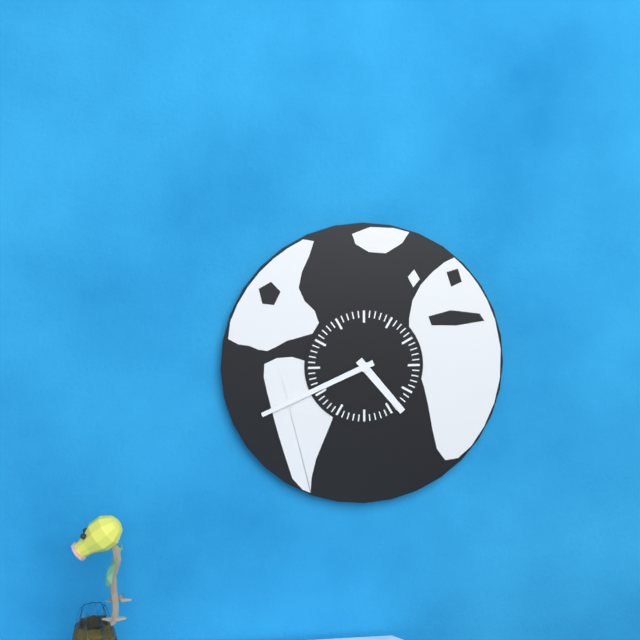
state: 4:41
